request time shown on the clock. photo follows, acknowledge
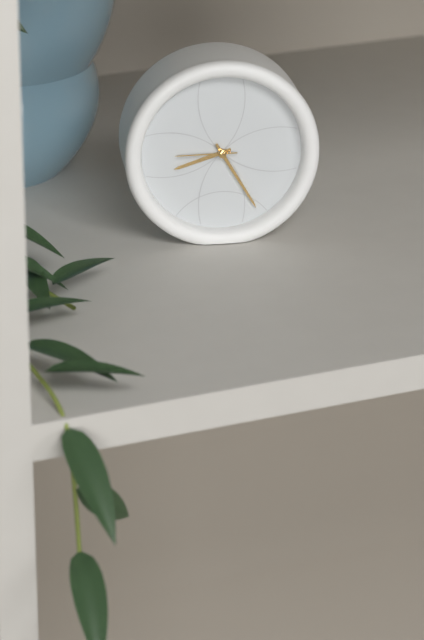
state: 8:25:45
